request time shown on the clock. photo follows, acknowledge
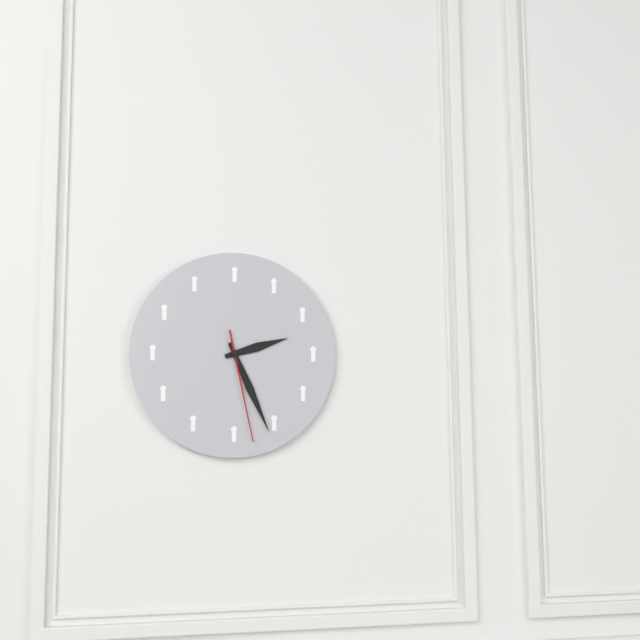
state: 2:26:28
